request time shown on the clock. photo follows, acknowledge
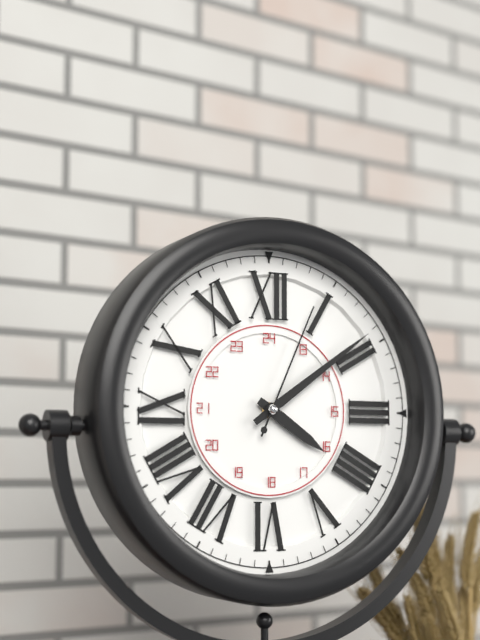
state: 4:09:04
